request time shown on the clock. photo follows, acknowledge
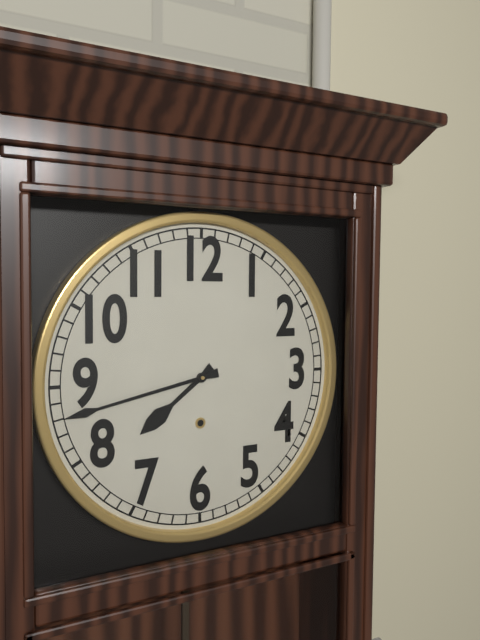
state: 7:43
